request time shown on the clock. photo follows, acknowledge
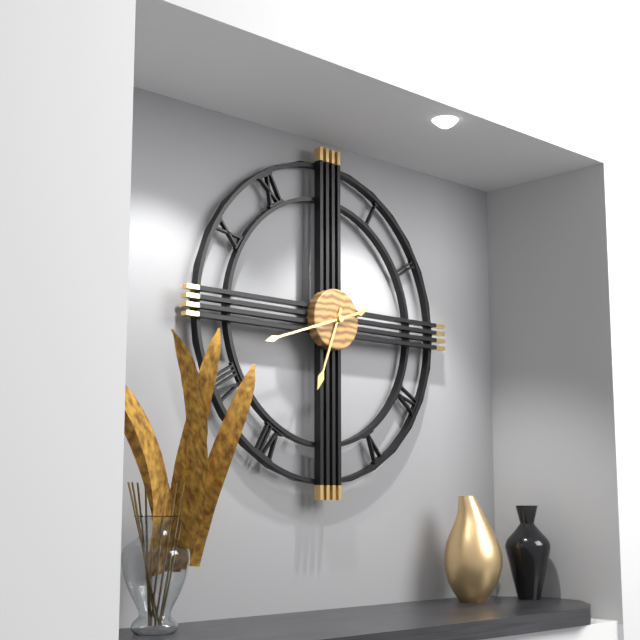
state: 6:42
